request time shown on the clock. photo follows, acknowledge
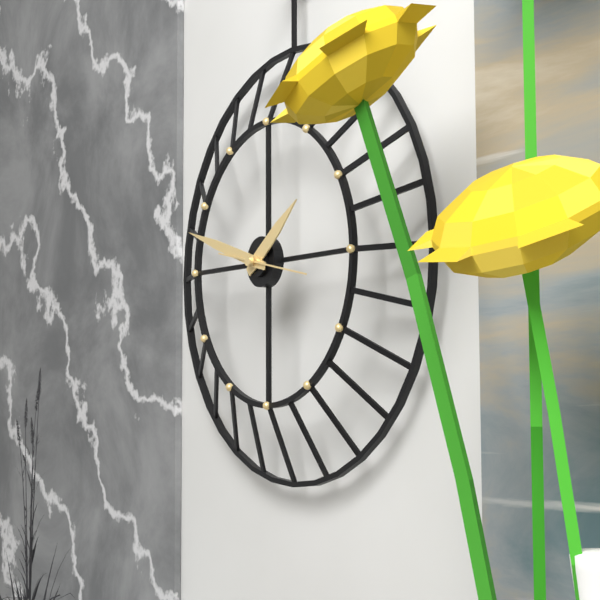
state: 1:48:17
